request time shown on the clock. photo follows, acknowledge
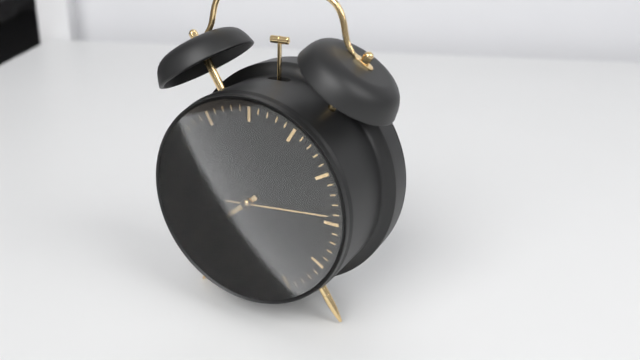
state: 7:38:14
